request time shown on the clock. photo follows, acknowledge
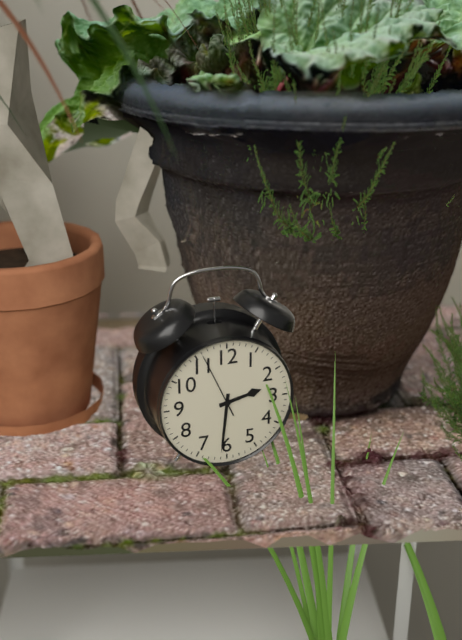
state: 2:31:56
